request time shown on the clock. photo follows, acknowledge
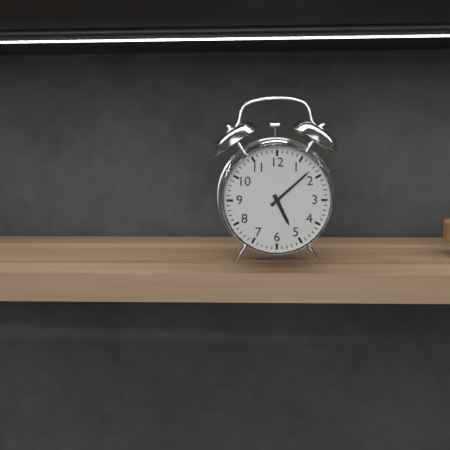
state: 5:08
